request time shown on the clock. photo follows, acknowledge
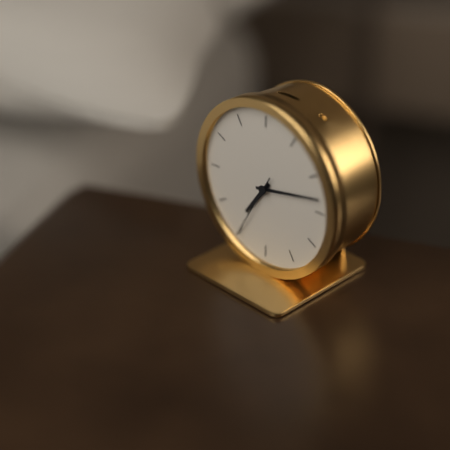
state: 7:13:35
